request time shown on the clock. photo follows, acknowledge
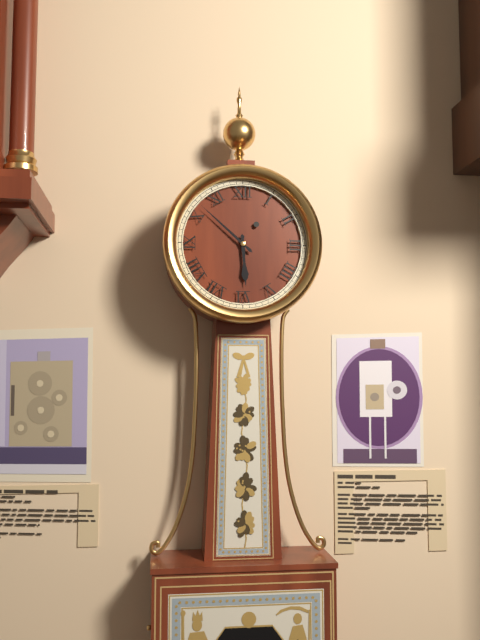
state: 5:52
